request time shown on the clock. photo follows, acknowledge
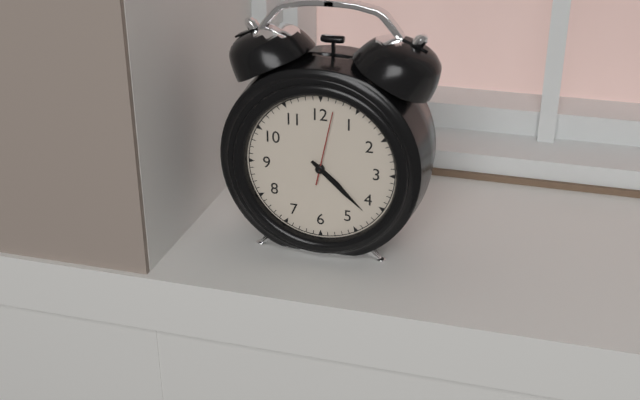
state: 4:22:02
